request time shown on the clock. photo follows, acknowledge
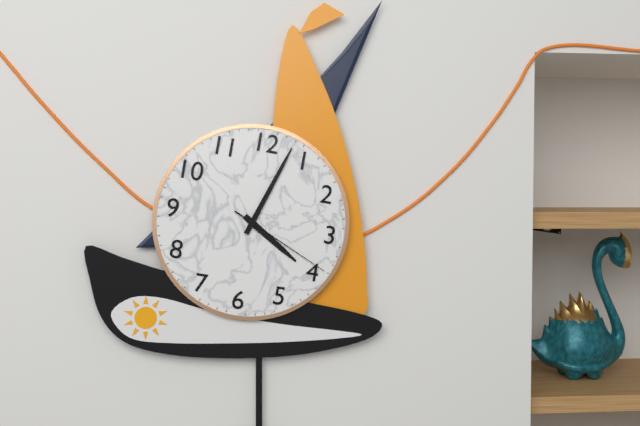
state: 4:03:19
